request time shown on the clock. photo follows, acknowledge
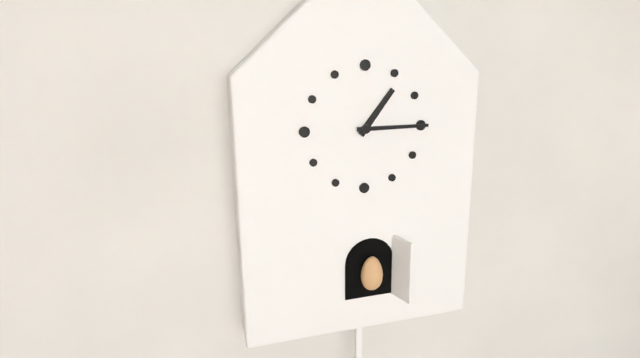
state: 1:15
